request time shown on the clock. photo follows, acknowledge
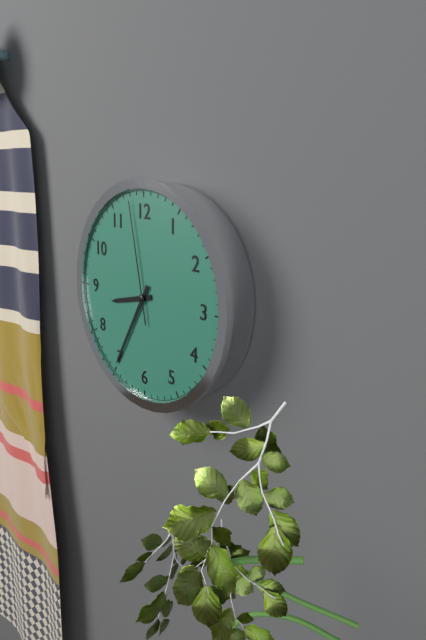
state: 8:35:58
